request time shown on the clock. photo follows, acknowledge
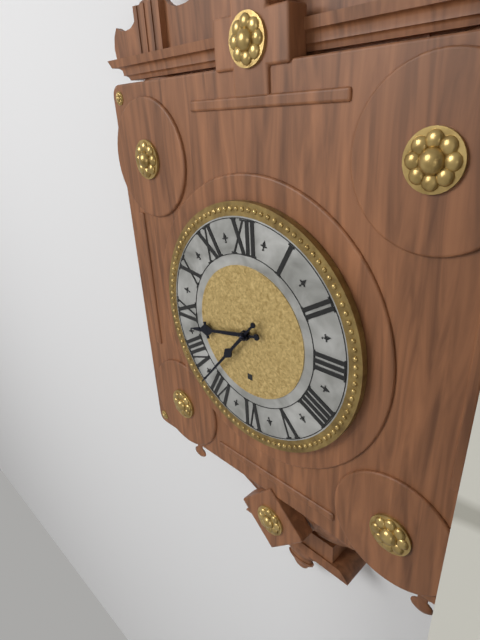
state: 8:37
